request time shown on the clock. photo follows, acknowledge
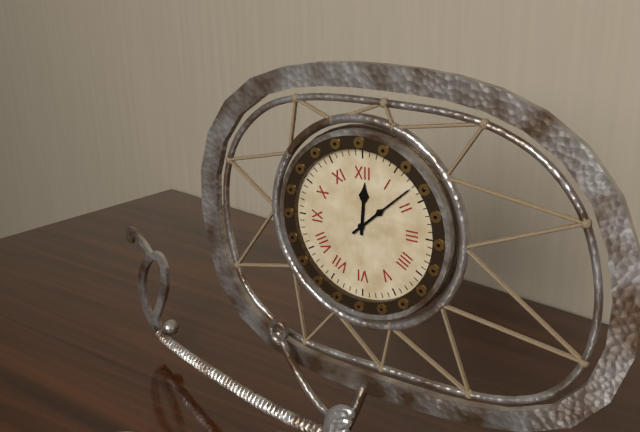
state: 12:08
